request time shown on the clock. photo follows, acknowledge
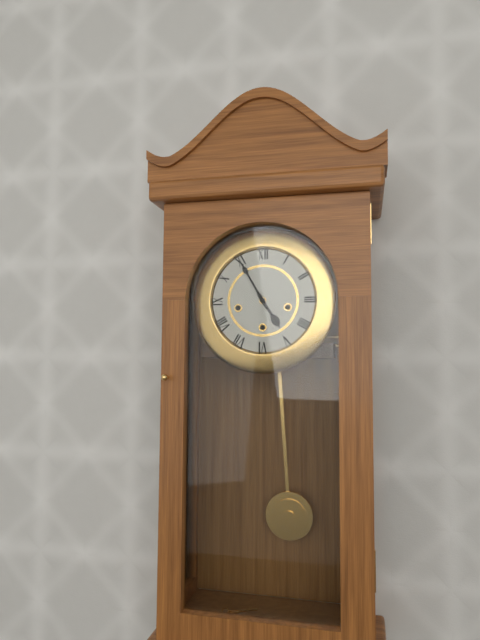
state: 4:55
